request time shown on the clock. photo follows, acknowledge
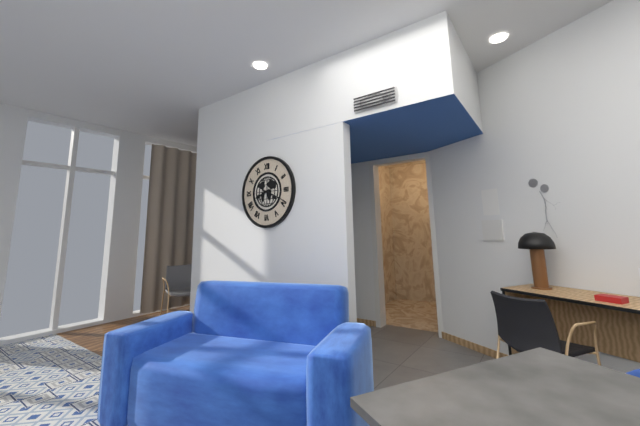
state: 8:19
